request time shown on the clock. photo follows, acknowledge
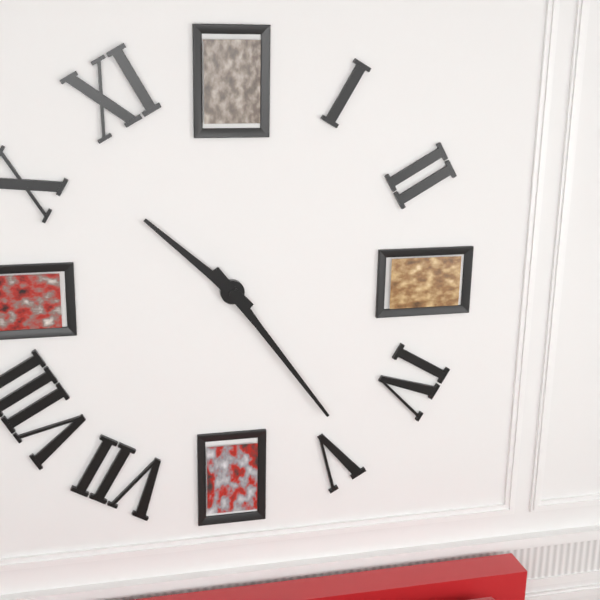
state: 10:24
